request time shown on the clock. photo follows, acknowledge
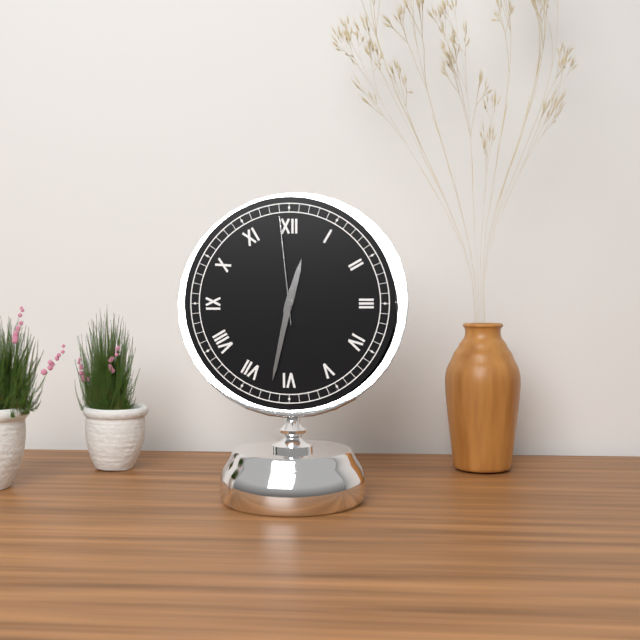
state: 12:32:59
